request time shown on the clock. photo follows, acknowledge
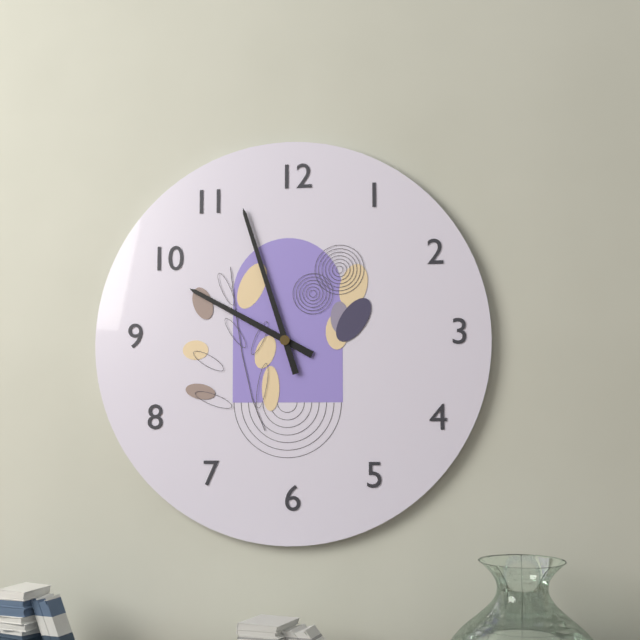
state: 9:57
